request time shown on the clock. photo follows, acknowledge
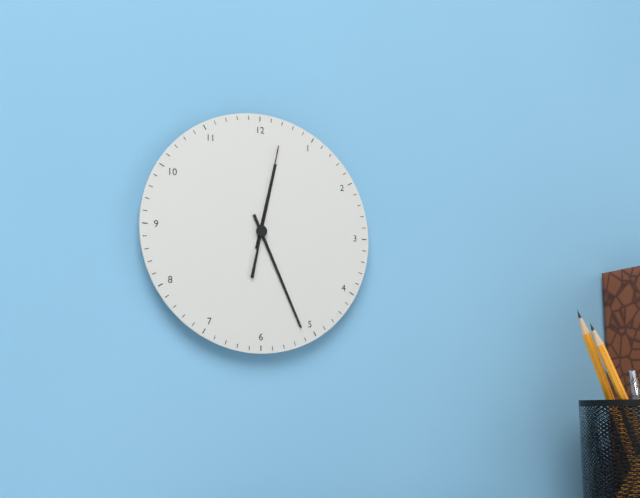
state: 12:26:02
